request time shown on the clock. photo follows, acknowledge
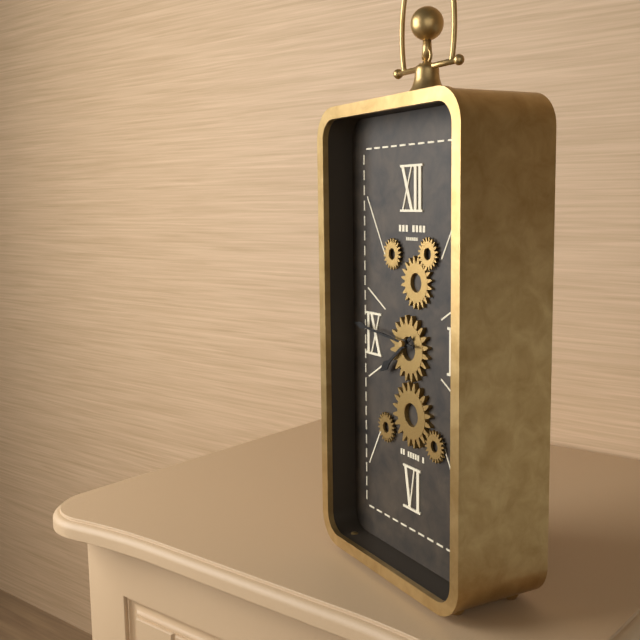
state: 7:46
